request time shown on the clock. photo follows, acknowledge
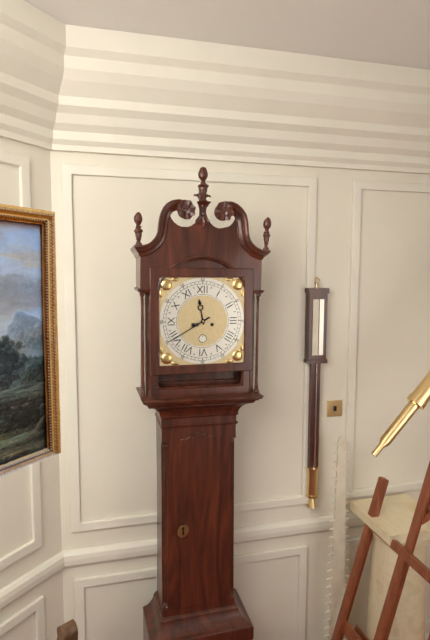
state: 11:40
